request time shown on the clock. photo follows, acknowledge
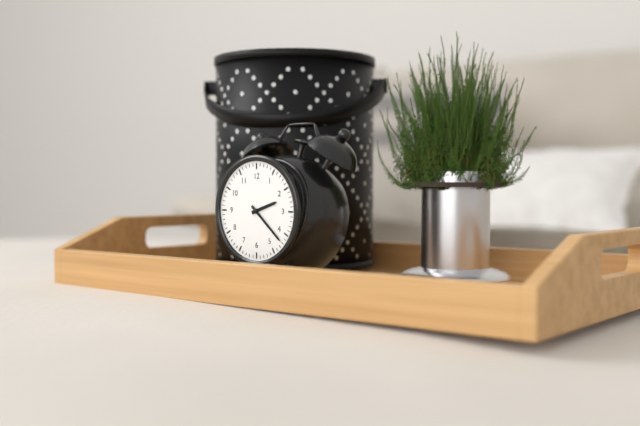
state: 2:22
